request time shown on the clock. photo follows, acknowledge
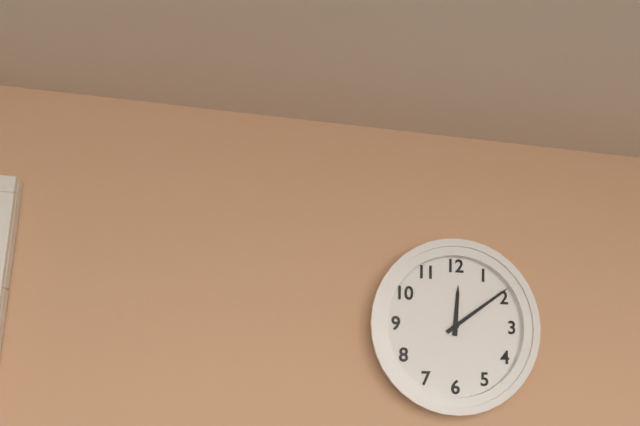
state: 12:09
